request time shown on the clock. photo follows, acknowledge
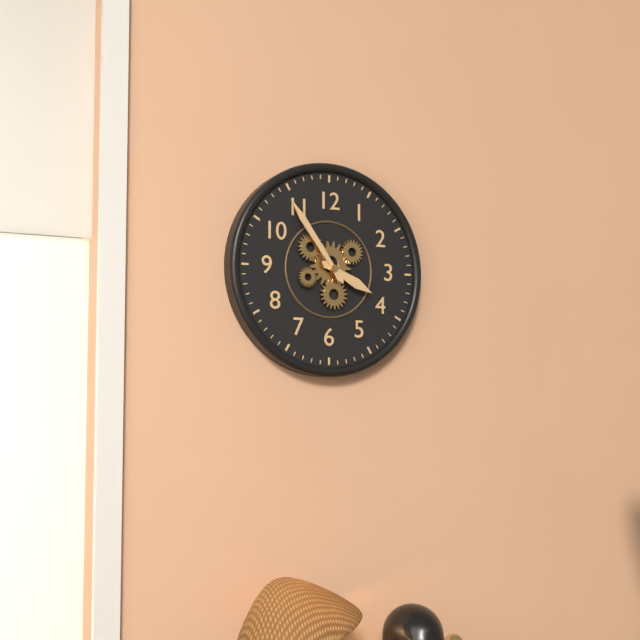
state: 3:54
